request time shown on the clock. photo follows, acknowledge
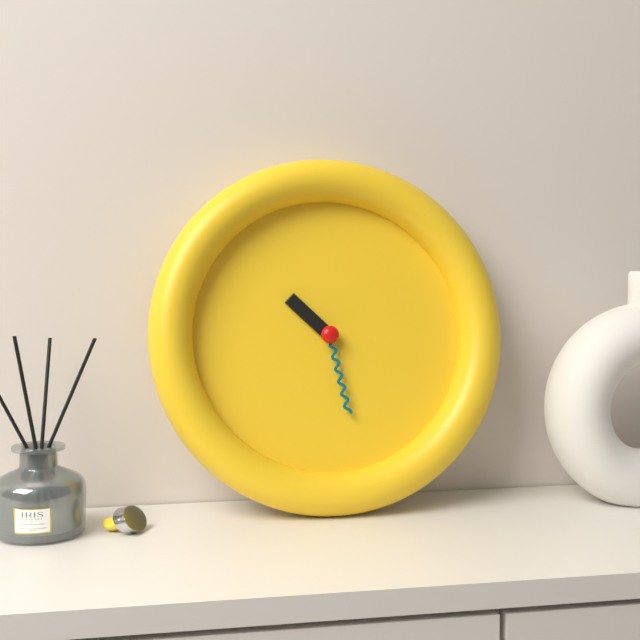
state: 10:28
